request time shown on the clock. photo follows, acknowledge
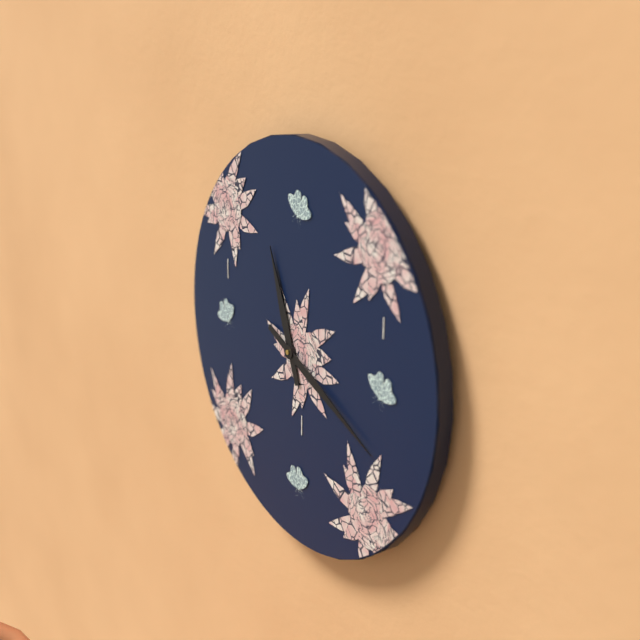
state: 11:19
